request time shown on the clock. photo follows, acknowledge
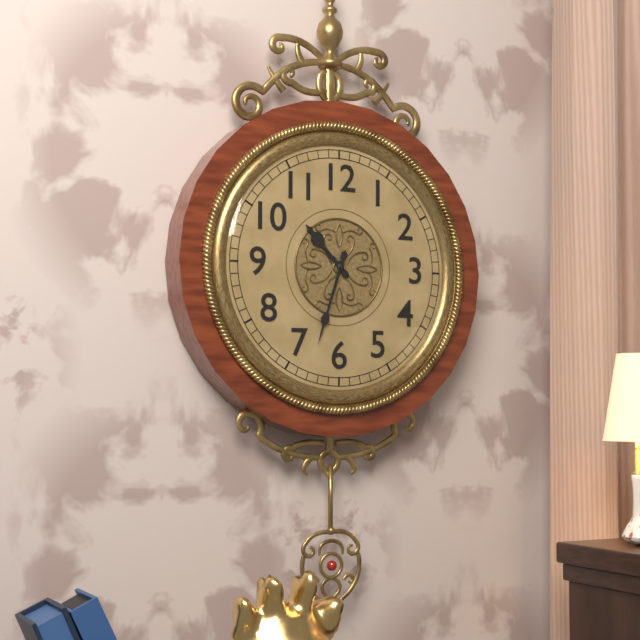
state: 10:33
